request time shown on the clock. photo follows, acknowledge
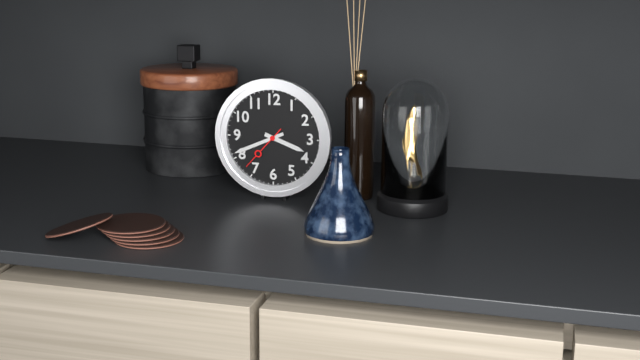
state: 3:41:37
